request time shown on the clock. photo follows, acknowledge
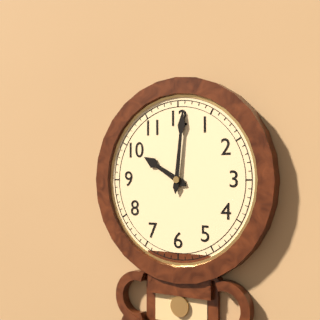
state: 10:01
